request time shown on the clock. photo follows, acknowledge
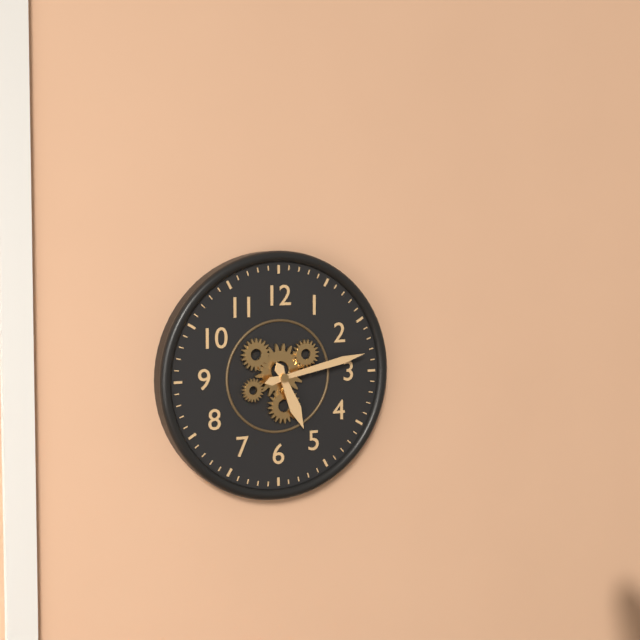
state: 5:13
